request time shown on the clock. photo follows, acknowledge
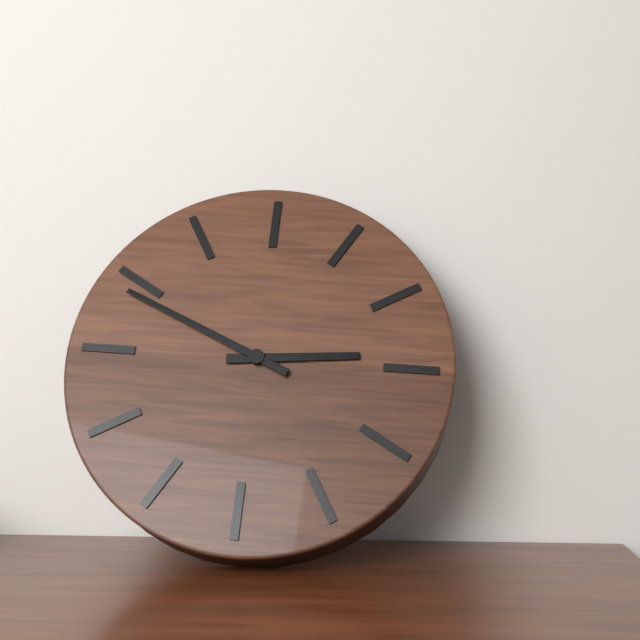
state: 2:49
